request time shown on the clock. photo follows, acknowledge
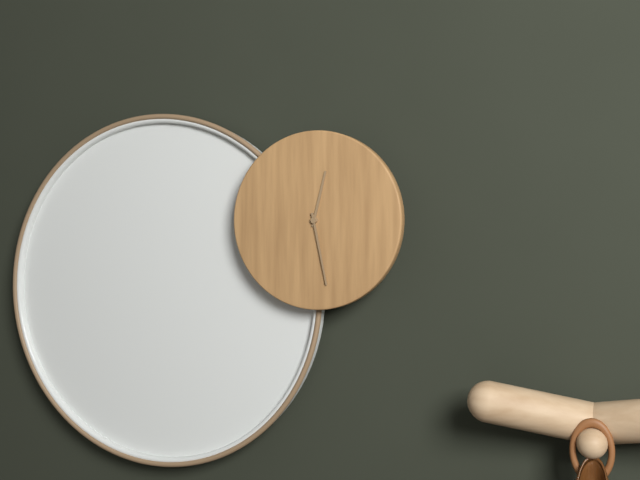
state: 12:28
